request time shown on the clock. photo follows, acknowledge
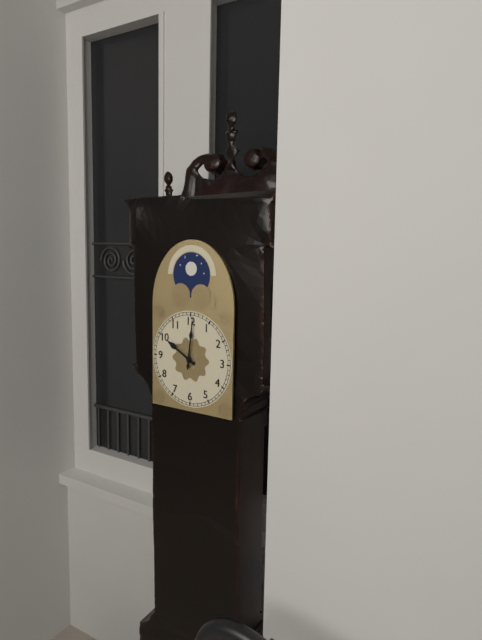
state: 10:01
